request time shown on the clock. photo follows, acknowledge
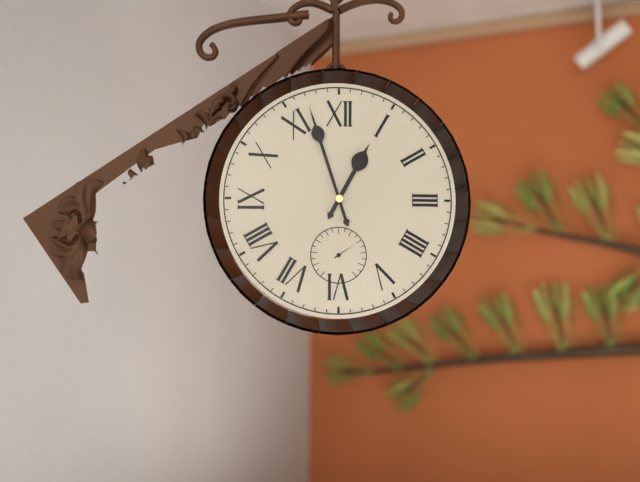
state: 12:57
